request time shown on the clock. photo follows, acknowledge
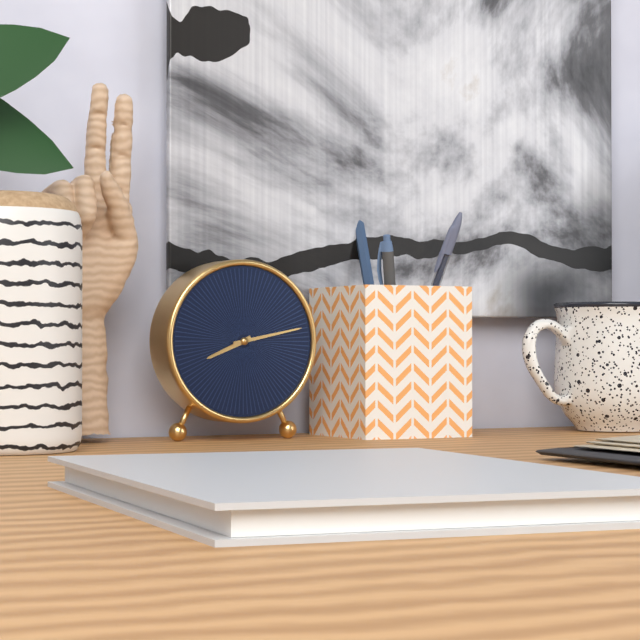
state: 8:13
